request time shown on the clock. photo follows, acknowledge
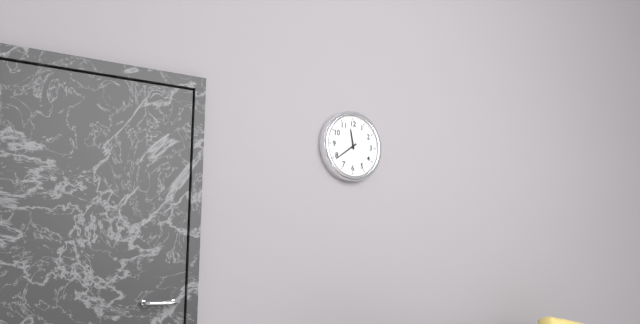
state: 11:39
